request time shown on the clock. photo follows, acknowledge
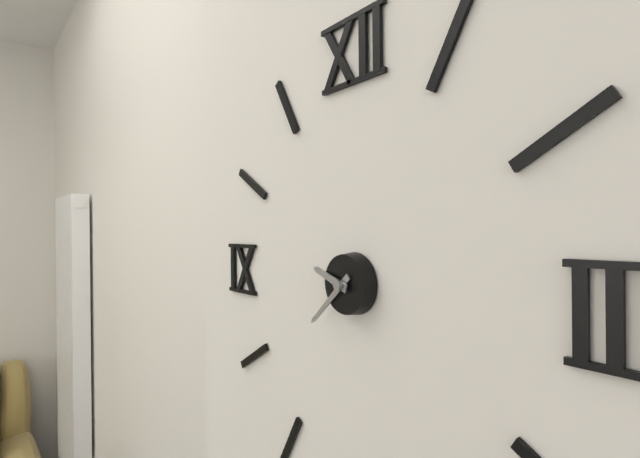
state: 9:38
